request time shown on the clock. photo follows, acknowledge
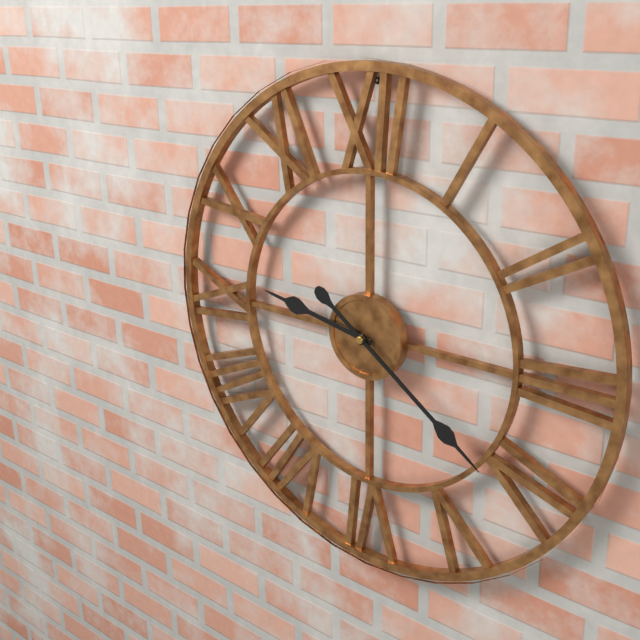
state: 9:21
